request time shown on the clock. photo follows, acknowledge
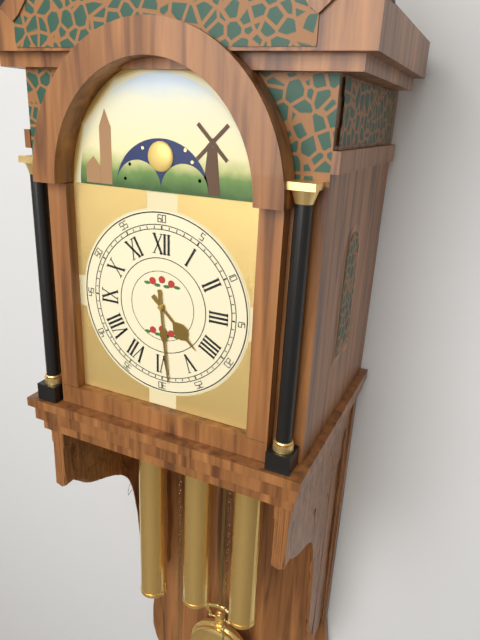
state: 4:29
